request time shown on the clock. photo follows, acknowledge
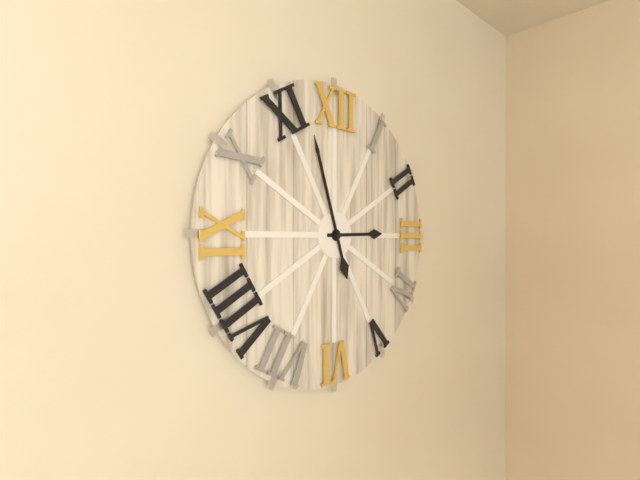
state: 2:57
